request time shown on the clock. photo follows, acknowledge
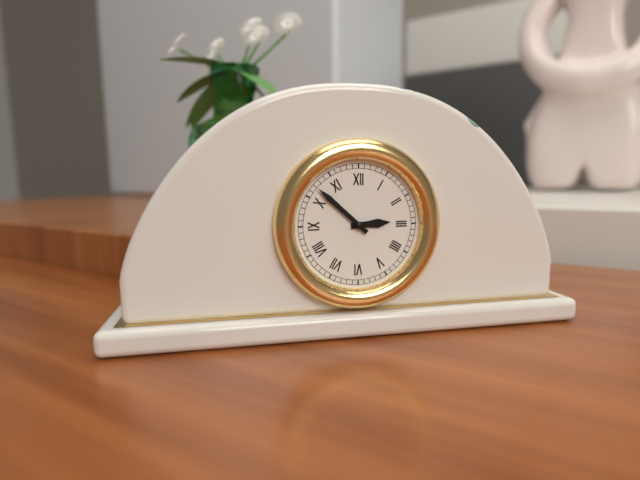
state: 2:52
